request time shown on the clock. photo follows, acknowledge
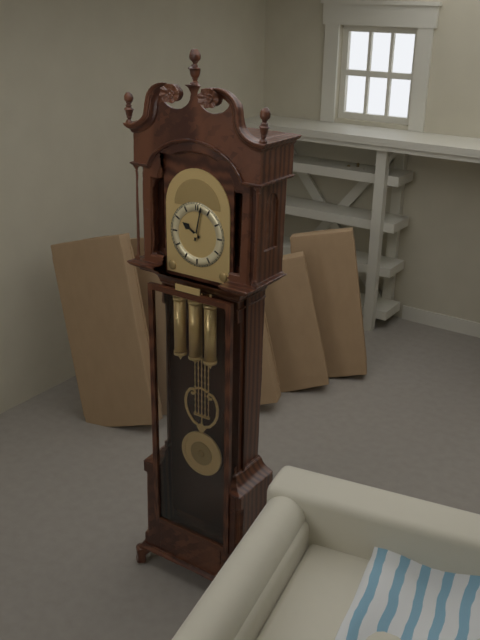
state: 10:02
